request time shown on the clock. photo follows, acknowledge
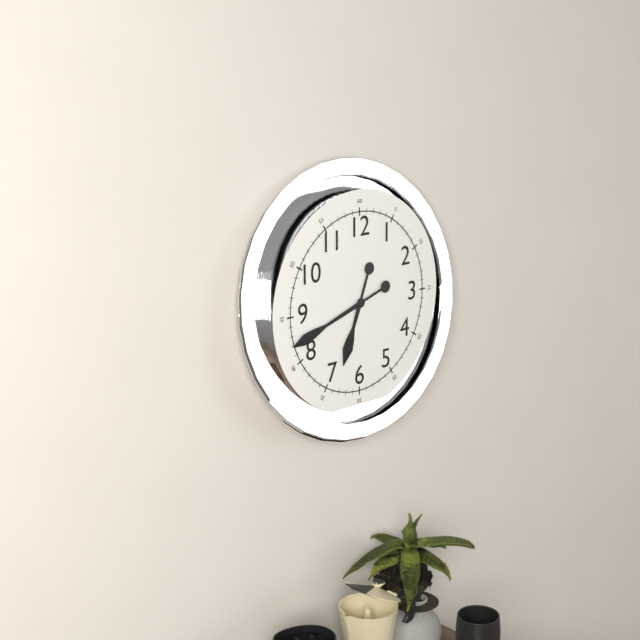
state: 6:42
